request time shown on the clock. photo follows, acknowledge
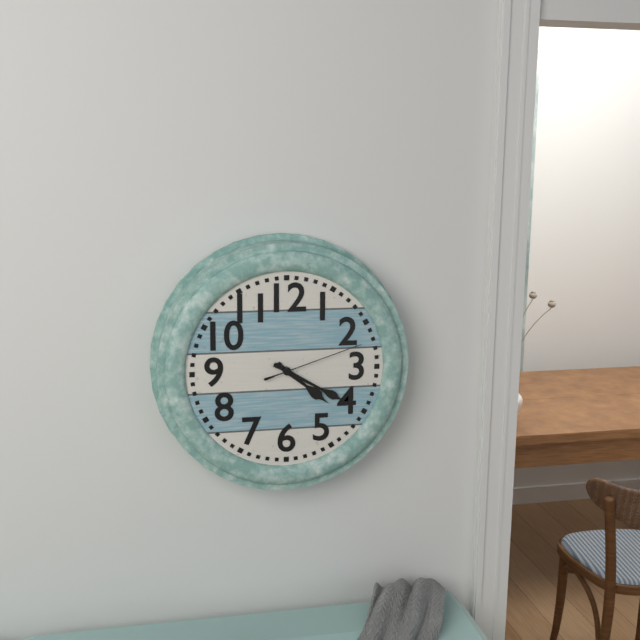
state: 4:20:12
